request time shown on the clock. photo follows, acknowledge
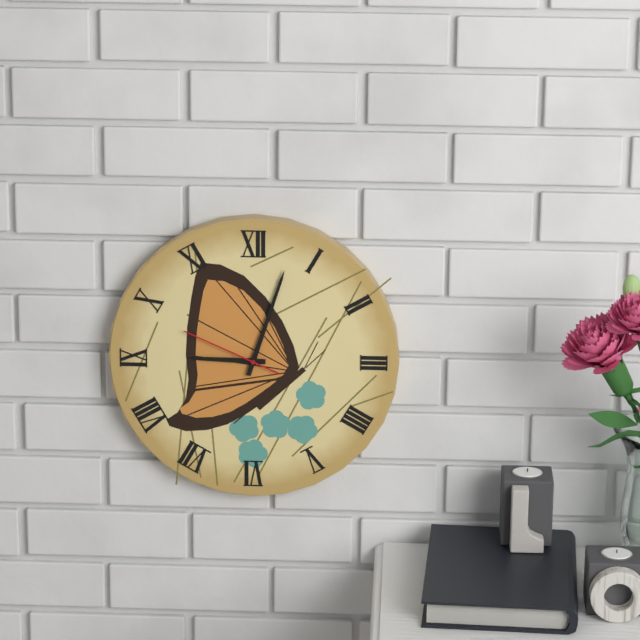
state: 9:03:49
